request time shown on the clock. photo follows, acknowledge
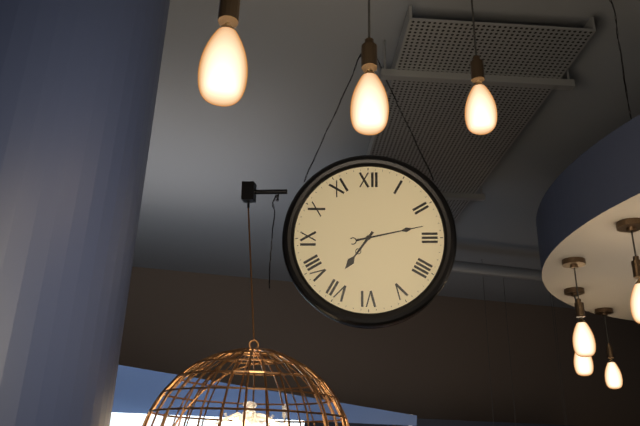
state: 7:13
